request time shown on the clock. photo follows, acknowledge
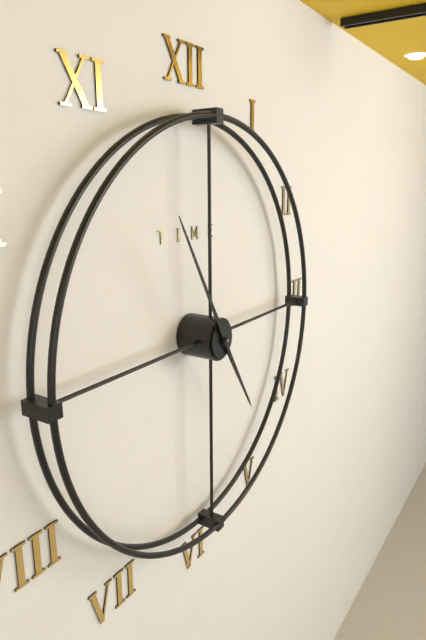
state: 4:55
